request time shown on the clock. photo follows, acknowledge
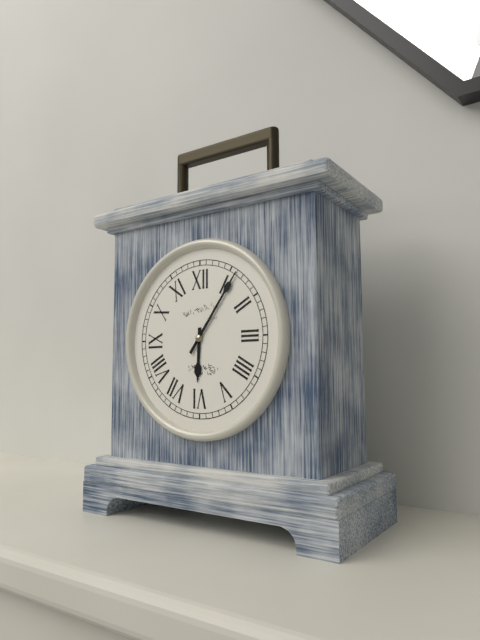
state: 6:06
